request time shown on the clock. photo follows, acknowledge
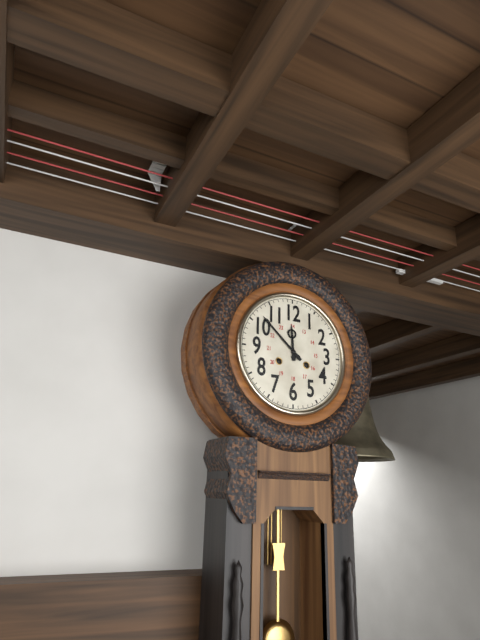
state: 11:52
